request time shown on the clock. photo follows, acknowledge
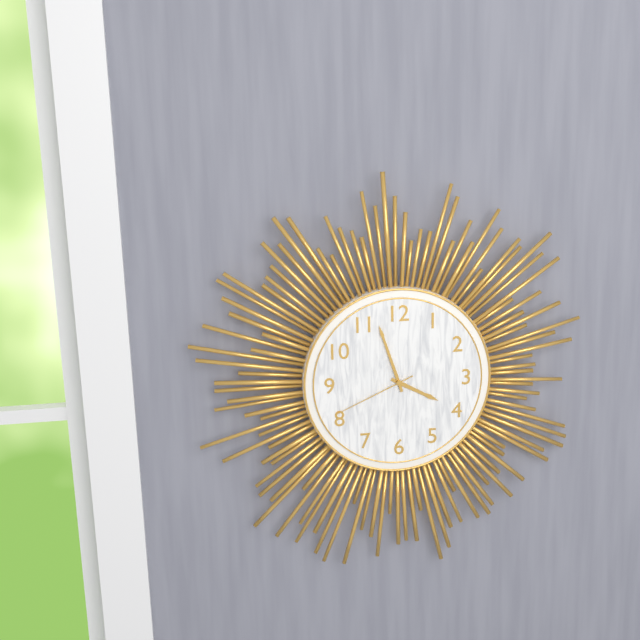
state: 3:57:41
